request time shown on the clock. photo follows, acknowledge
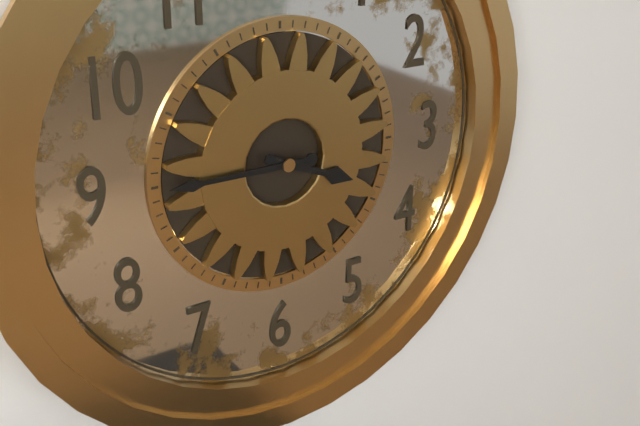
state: 3:45
